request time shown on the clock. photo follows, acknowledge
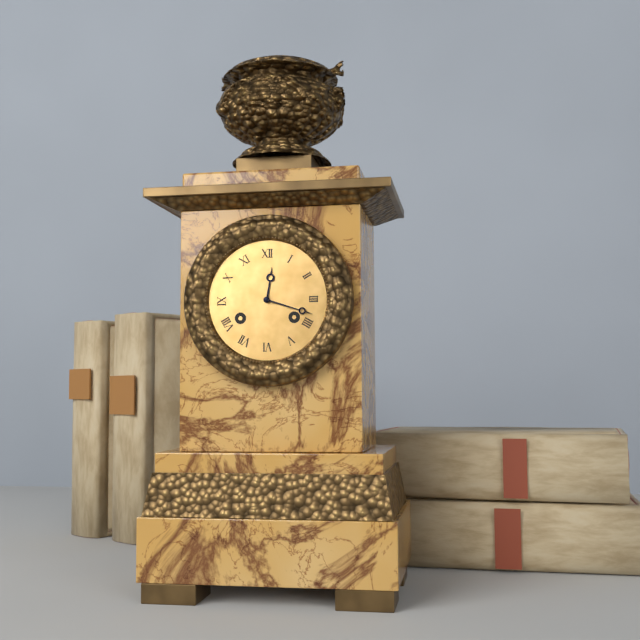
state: 12:18
